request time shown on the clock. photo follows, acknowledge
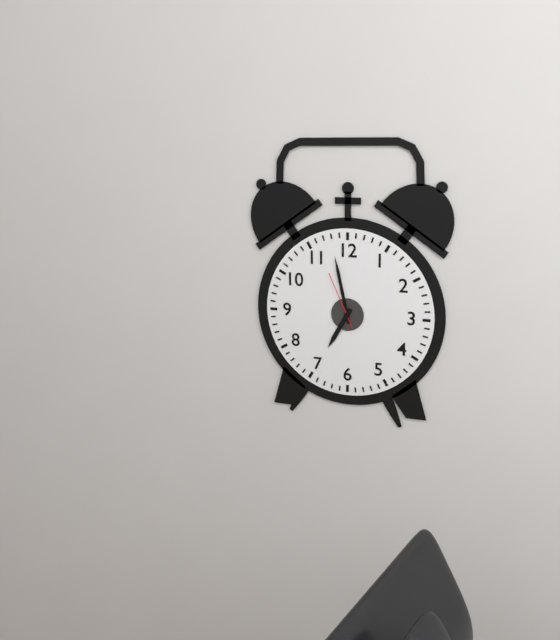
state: 6:58:56
